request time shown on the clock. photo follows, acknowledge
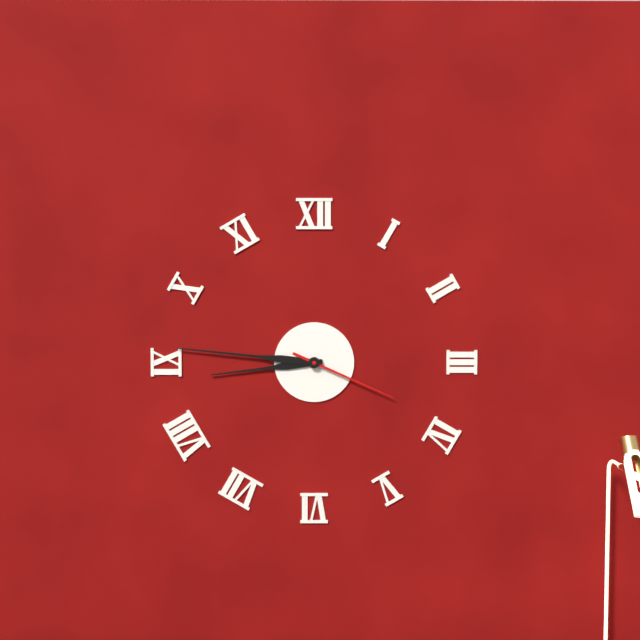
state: 8:46:19
